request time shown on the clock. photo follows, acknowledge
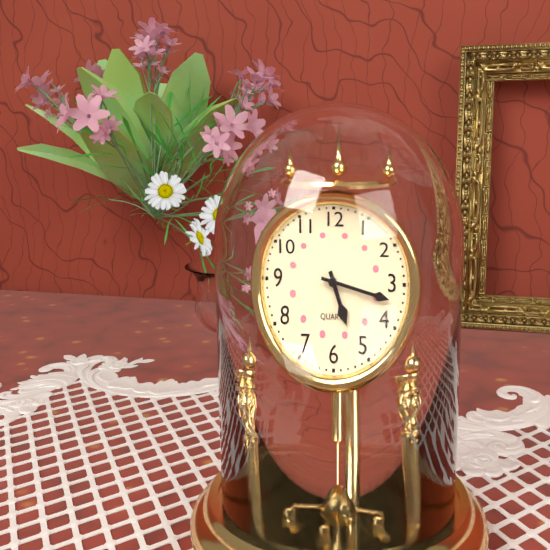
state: 5:17
